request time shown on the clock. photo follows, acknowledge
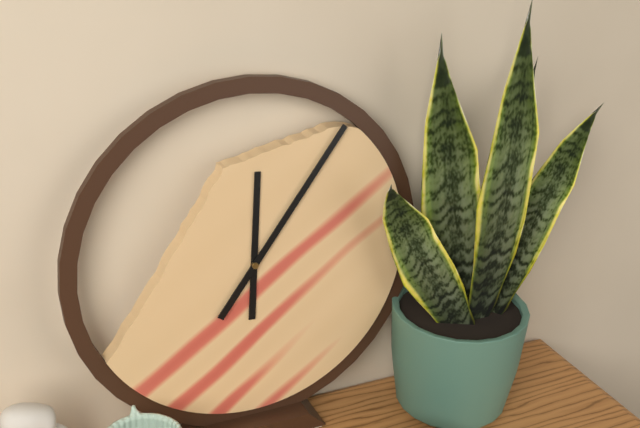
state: 12:06
